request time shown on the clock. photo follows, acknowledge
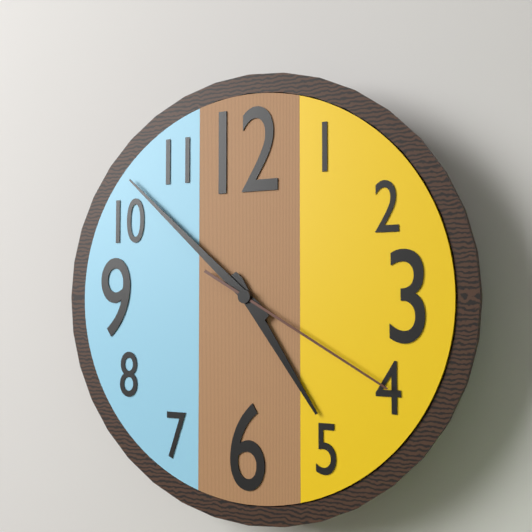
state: 4:52:20
